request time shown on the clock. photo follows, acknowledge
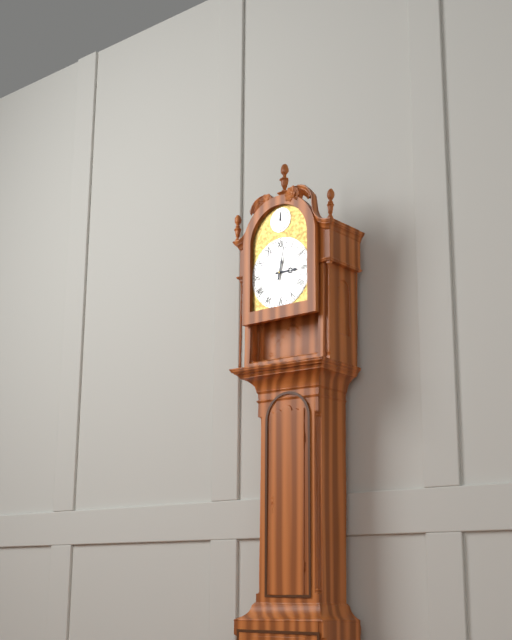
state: 3:02
